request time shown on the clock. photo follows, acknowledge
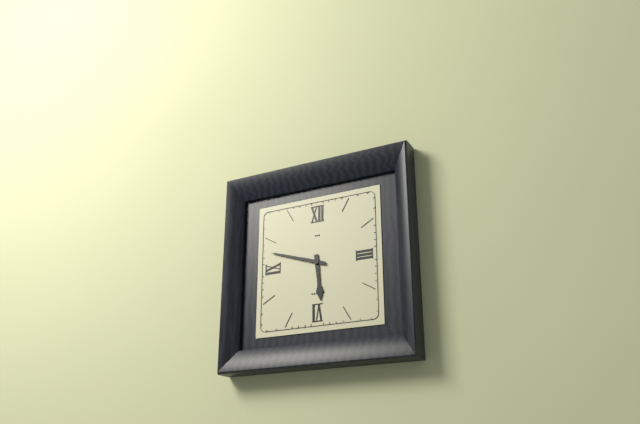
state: 5:48
